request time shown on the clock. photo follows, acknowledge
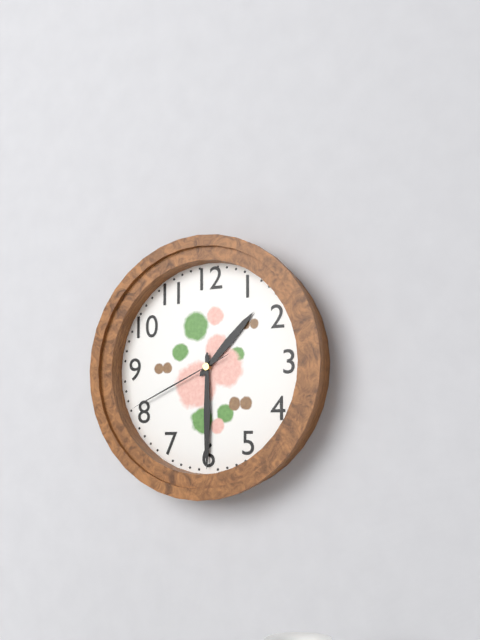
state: 1:30:41
